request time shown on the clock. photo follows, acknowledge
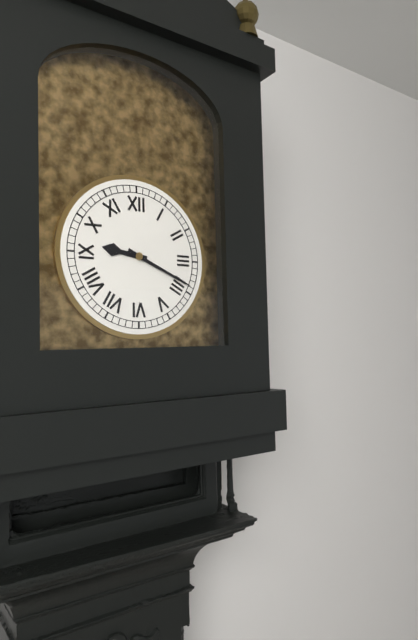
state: 9:19
